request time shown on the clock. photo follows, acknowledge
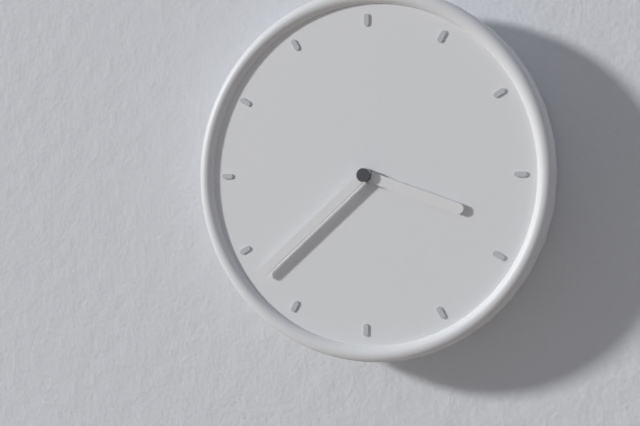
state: 3:38
